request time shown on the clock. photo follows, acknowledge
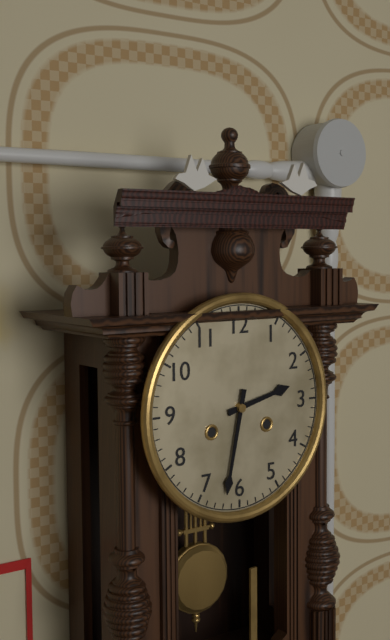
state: 2:32
